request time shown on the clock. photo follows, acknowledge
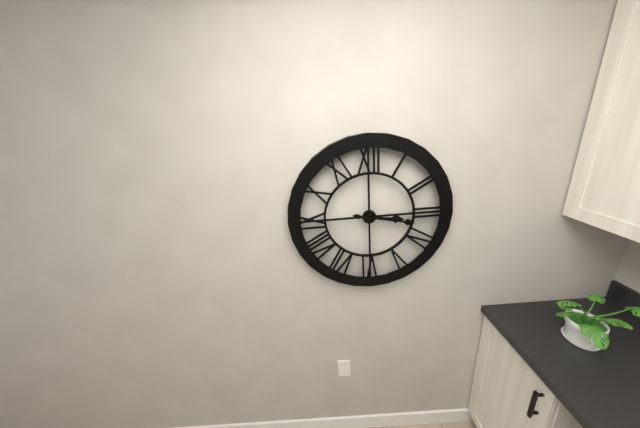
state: 3:17
